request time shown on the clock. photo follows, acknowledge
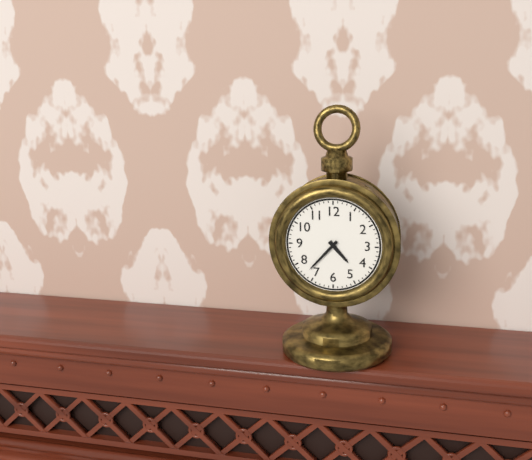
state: 4:37
